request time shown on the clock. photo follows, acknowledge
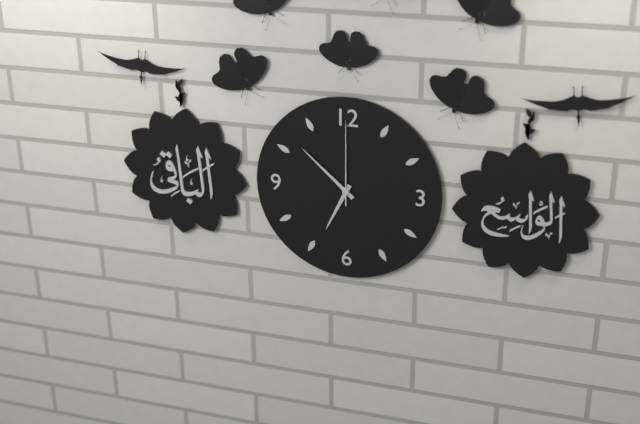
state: 6:52:00
